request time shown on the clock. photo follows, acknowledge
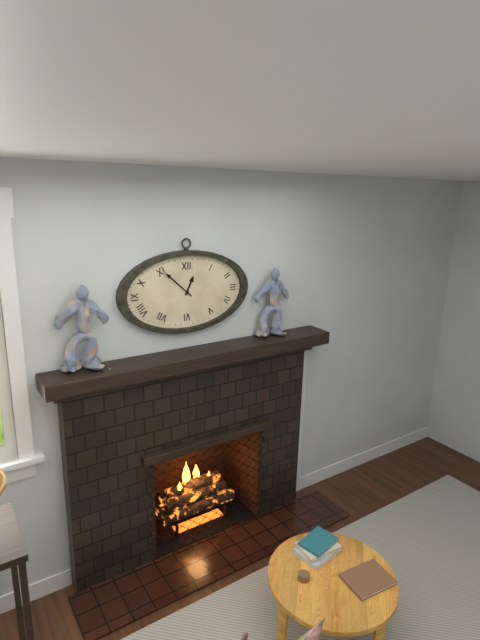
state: 12:52
